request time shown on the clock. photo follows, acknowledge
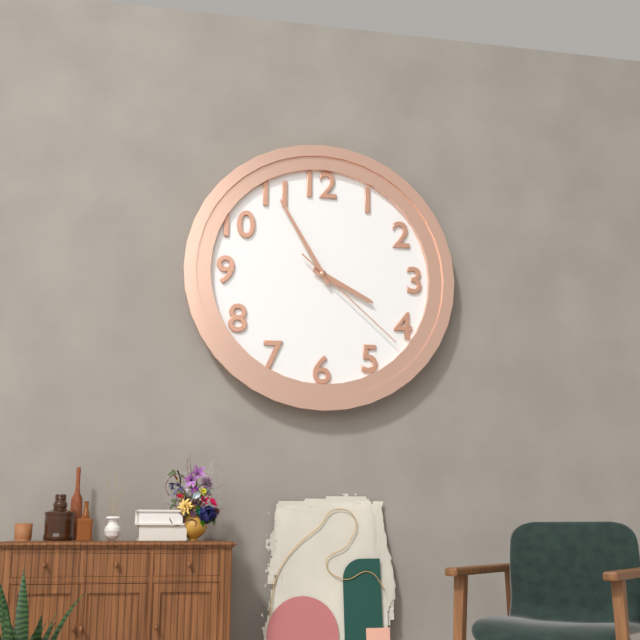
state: 3:55:22
